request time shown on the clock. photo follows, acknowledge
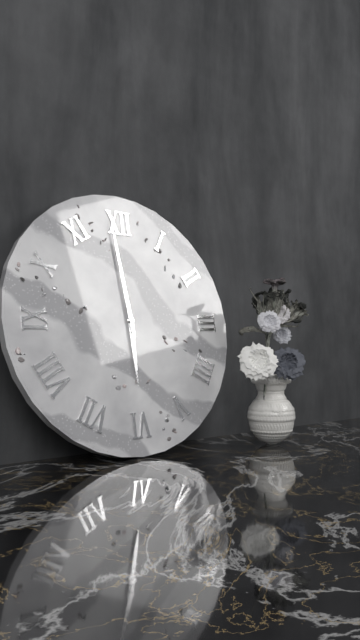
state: 5:59
